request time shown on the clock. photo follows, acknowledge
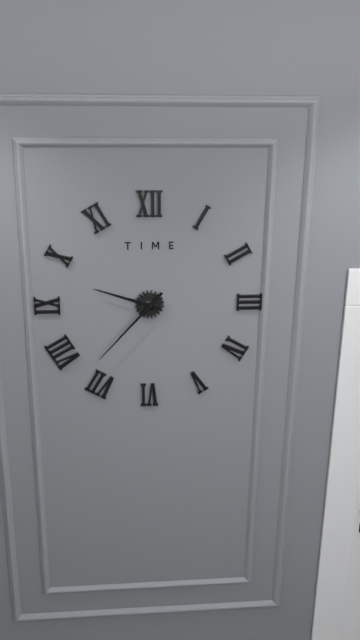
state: 9:37
